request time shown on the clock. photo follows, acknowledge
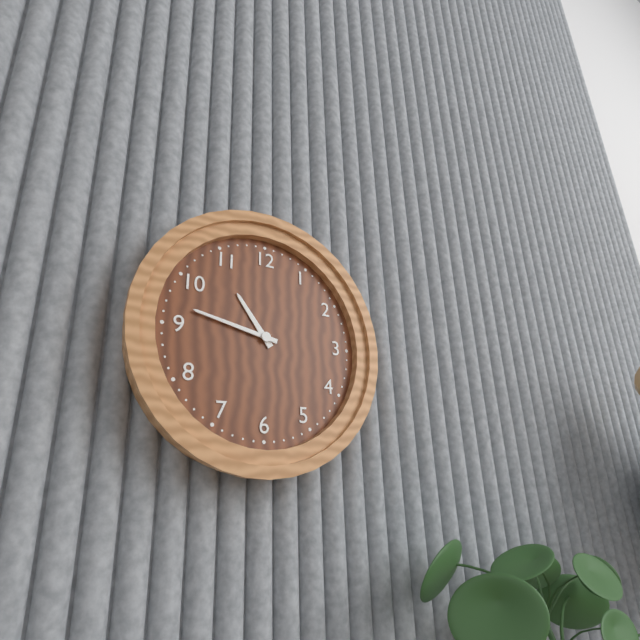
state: 10:47
